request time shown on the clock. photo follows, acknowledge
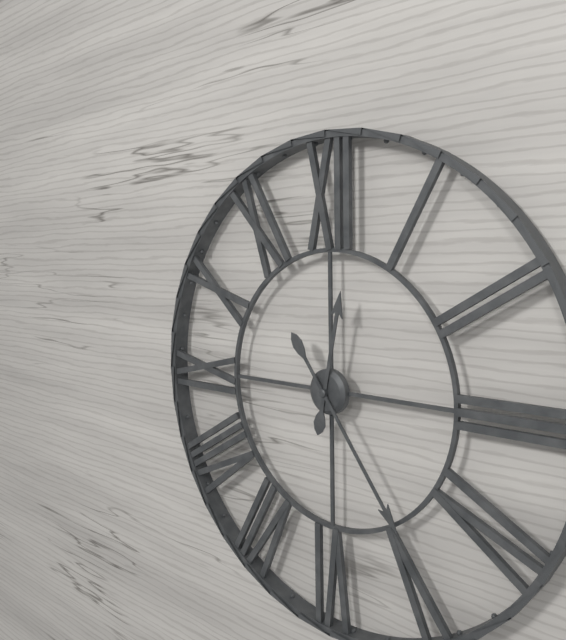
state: 12:24
